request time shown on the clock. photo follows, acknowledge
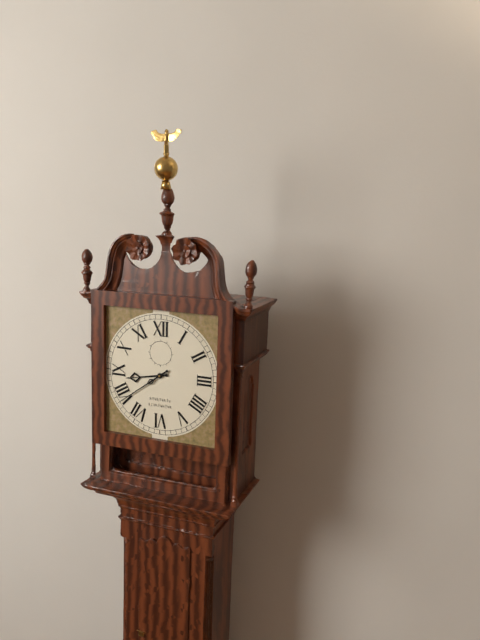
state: 8:39
